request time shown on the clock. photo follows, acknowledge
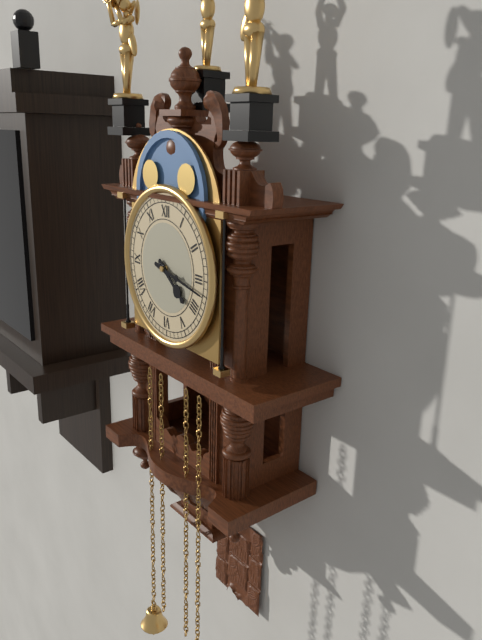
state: 4:17
